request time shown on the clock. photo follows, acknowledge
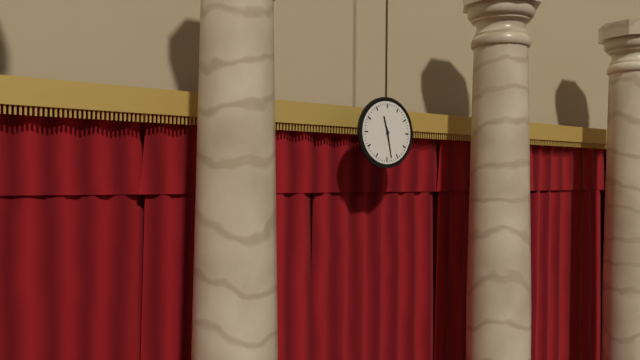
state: 11:28
